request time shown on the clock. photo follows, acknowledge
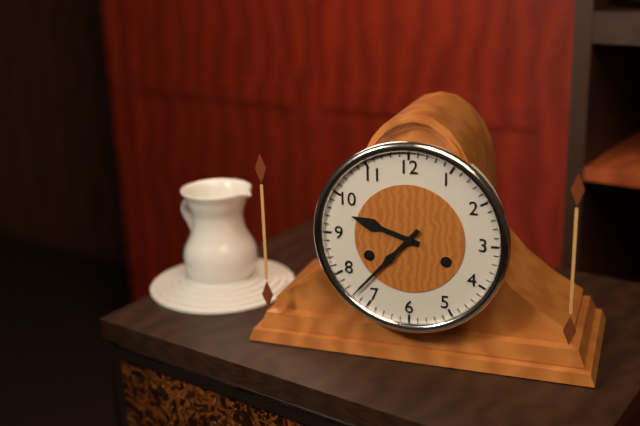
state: 9:37
